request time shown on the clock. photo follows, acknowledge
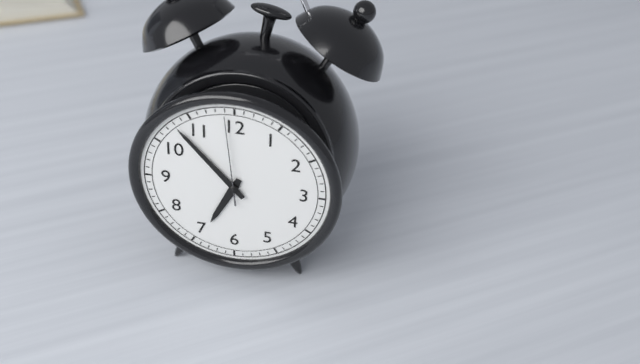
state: 6:53:59
